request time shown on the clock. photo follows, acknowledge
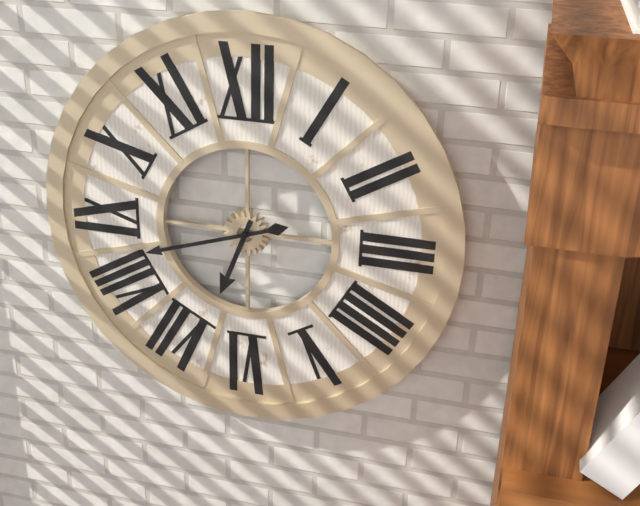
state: 6:42
